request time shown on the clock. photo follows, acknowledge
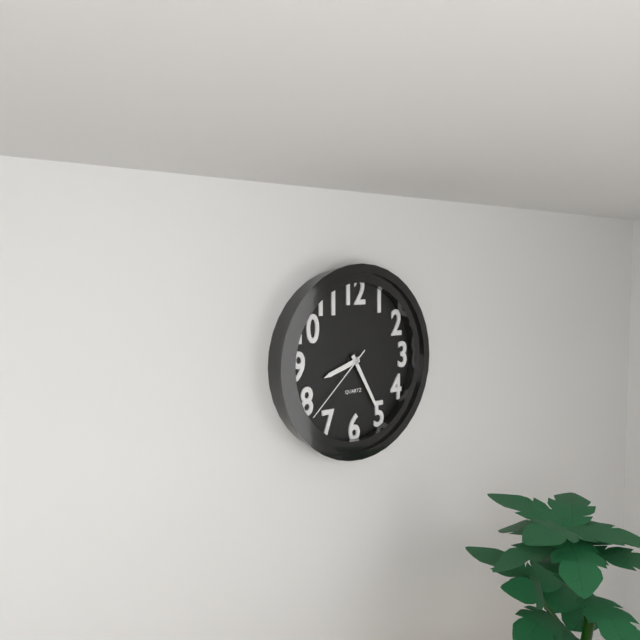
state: 8:25:38
